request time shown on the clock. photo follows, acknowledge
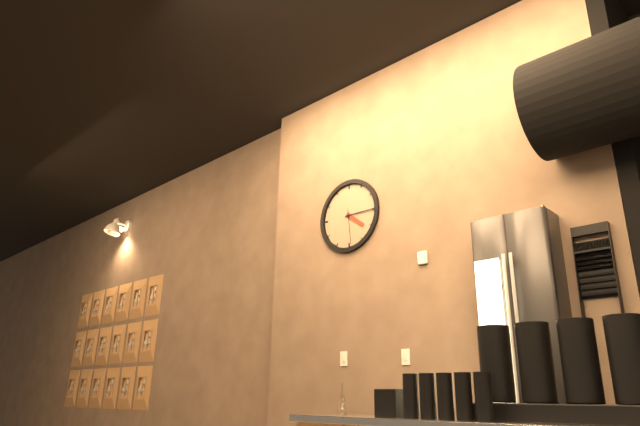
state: 4:15
